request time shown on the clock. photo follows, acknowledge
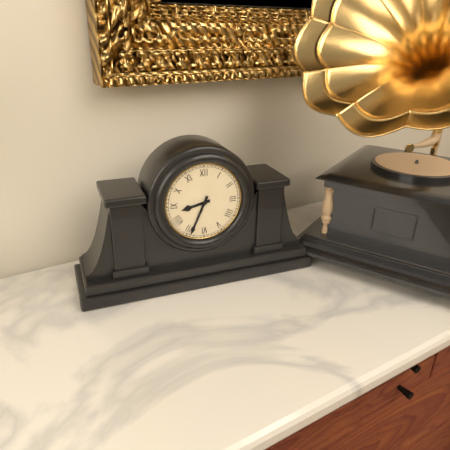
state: 8:34
